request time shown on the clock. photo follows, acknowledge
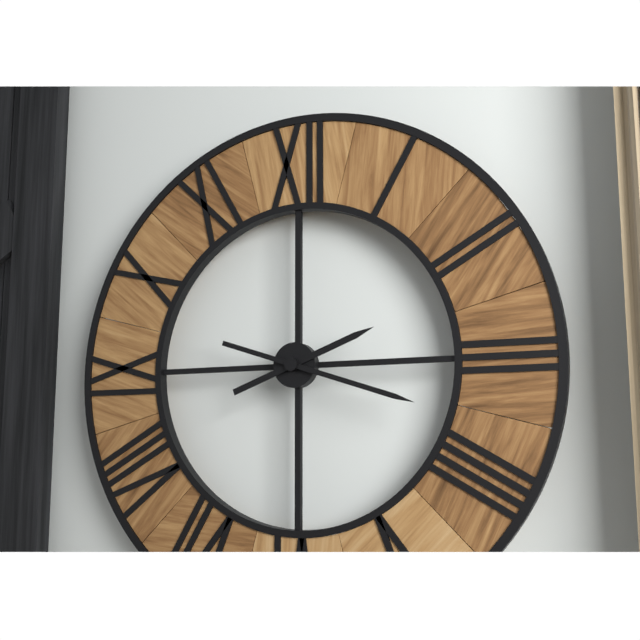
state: 2:18
